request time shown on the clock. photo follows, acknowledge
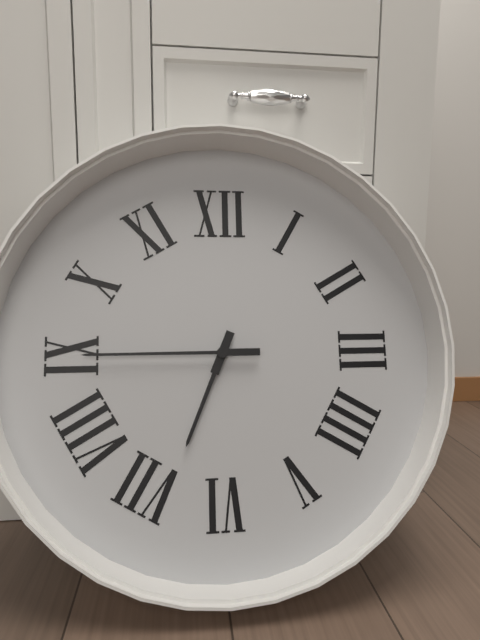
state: 6:45
